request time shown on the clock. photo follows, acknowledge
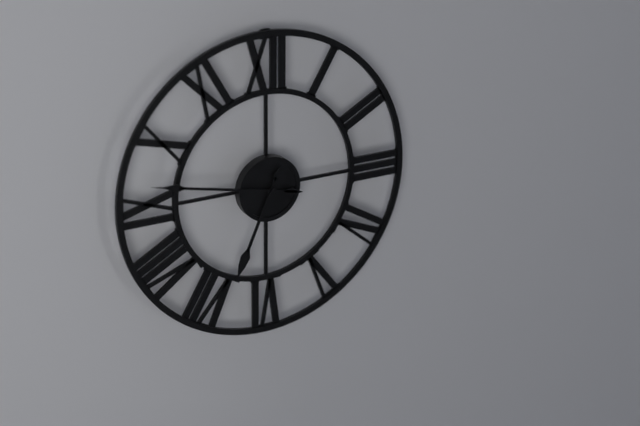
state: 6:47
